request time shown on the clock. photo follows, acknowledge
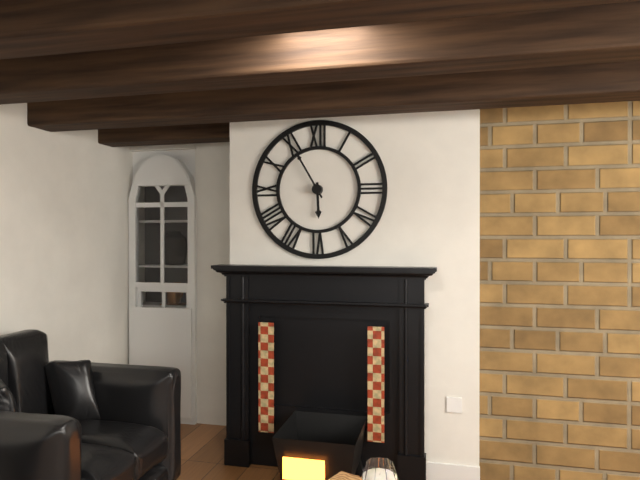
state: 5:55
